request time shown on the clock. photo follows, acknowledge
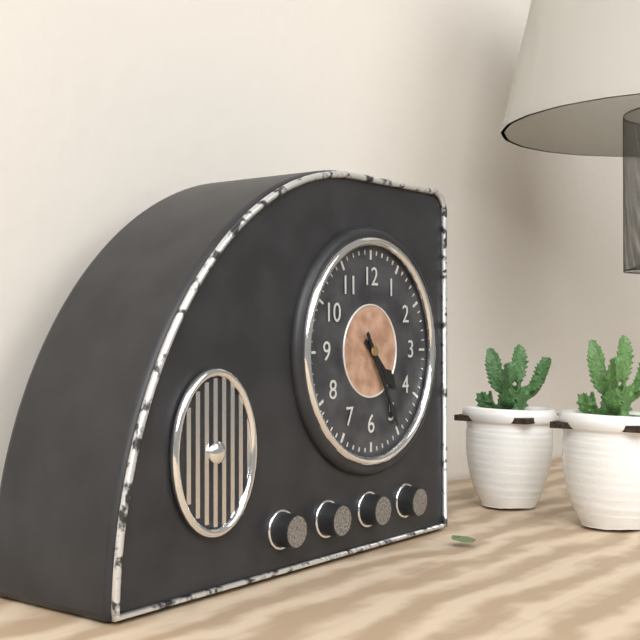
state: 4:25
